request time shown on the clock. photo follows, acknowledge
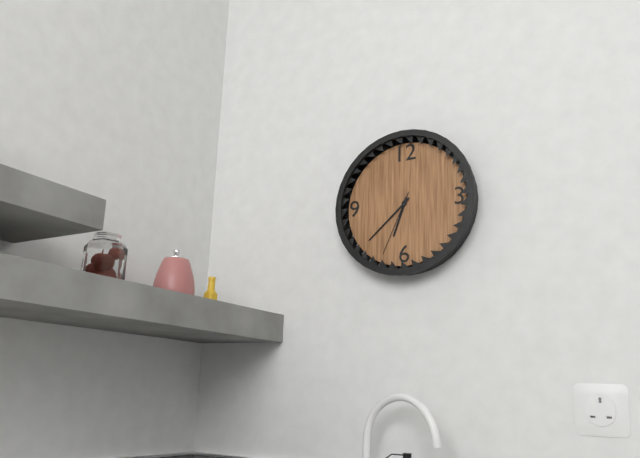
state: 6:38:34
